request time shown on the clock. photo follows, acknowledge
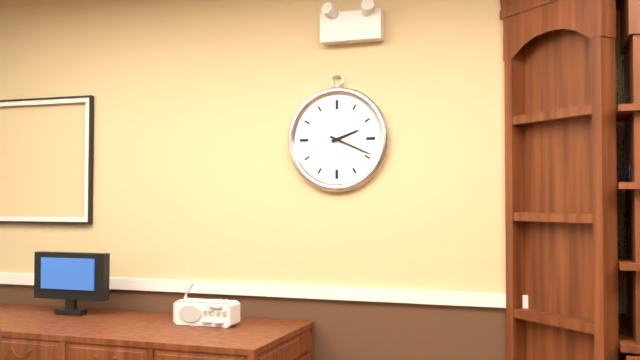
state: 2:19
